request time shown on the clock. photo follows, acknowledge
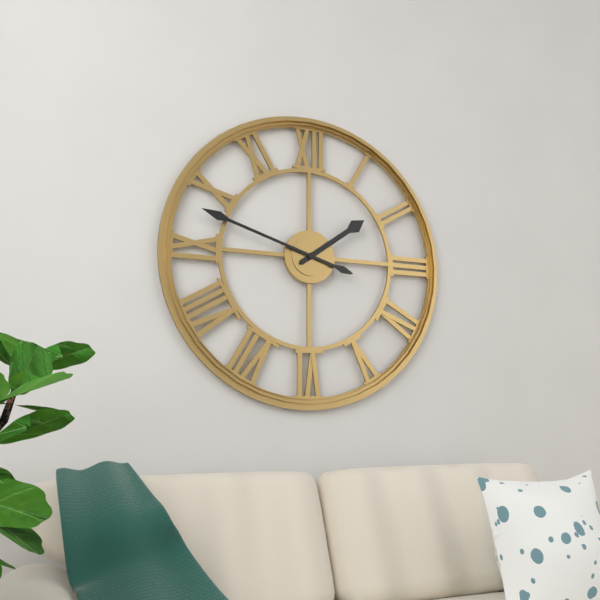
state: 1:48
